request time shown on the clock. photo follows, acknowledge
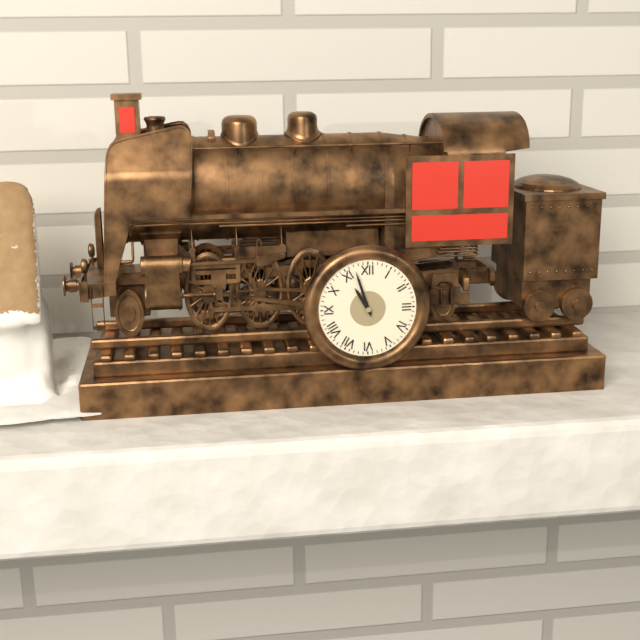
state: 10:57
